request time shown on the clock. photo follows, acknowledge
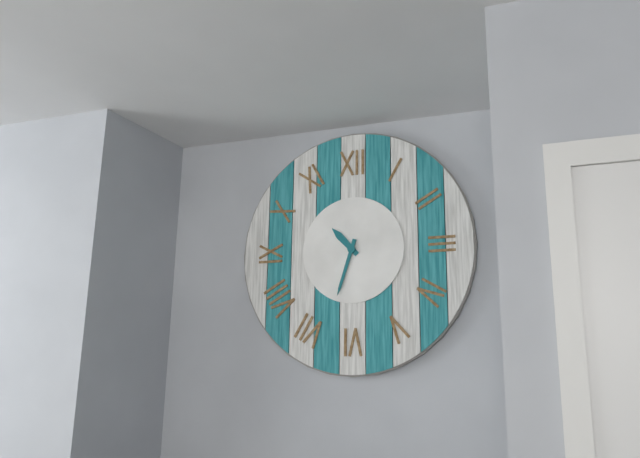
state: 10:33
